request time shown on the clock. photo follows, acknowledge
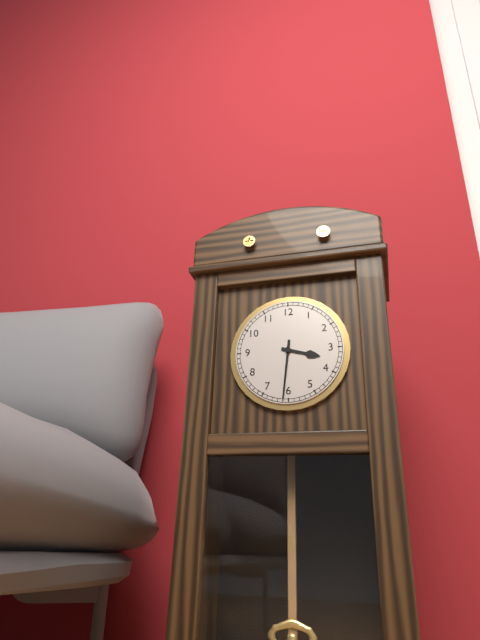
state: 3:31
